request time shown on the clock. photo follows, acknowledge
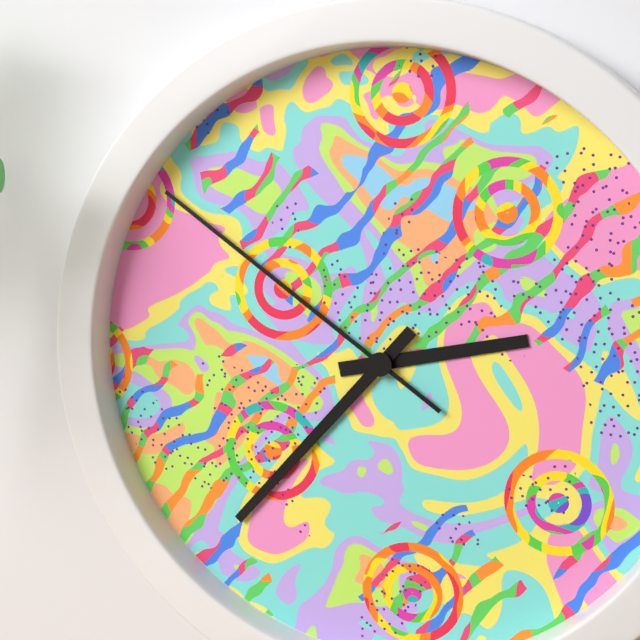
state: 2:37:51
